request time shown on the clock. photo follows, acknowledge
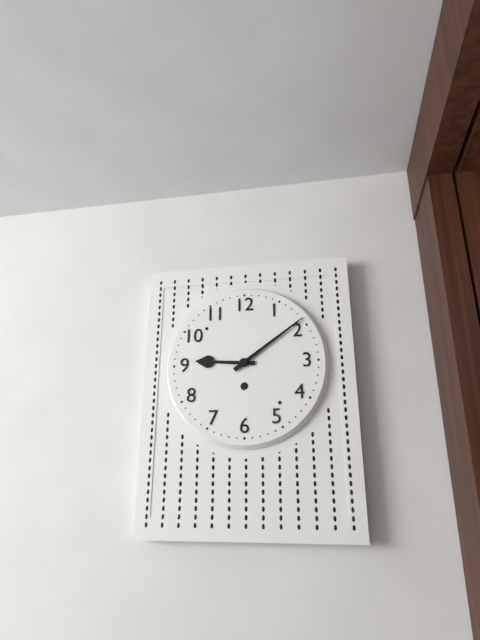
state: 9:09
